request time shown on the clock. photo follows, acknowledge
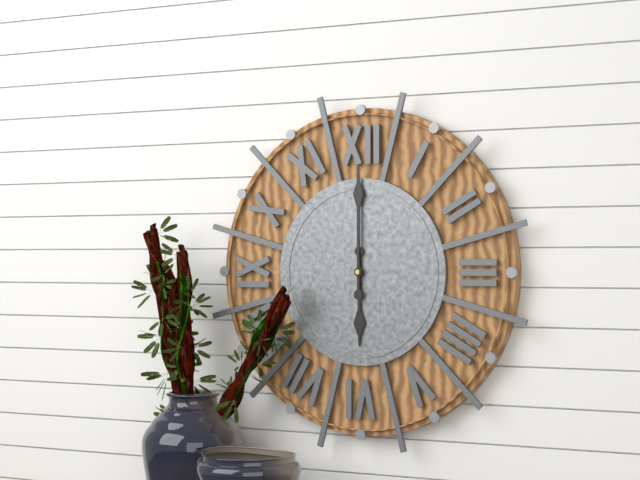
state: 6:00
